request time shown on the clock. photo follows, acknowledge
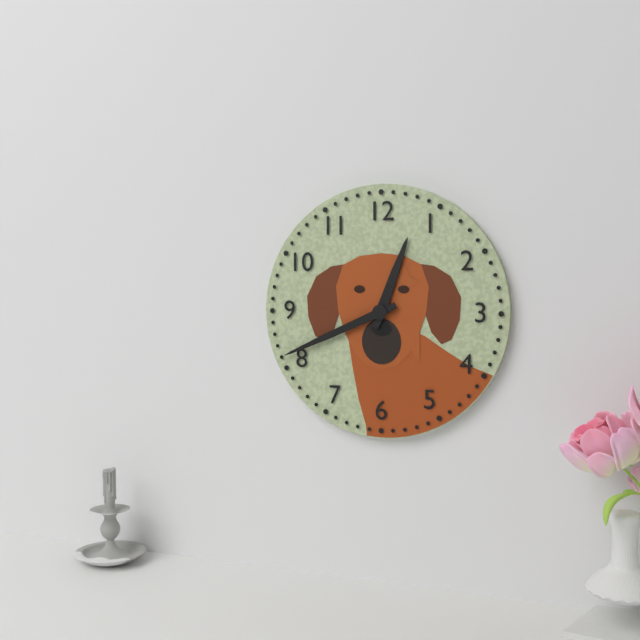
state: 12:41
